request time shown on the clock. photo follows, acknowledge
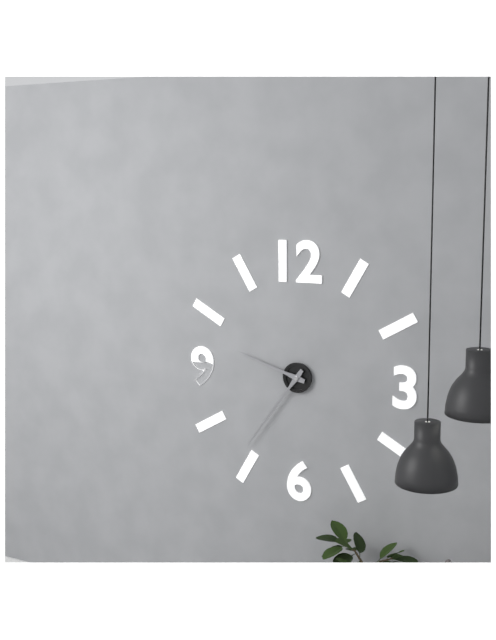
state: 9:36
